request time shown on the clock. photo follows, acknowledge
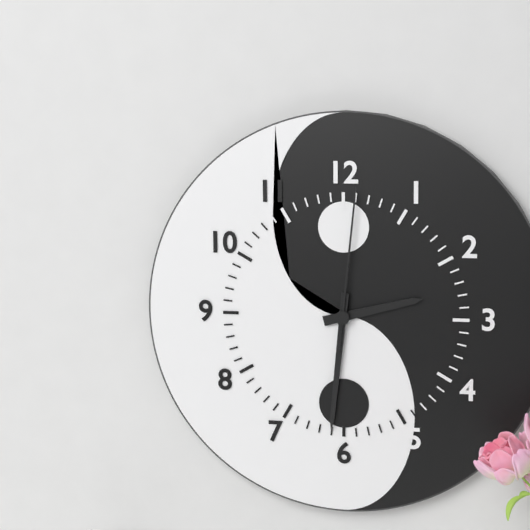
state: 2:31:01
